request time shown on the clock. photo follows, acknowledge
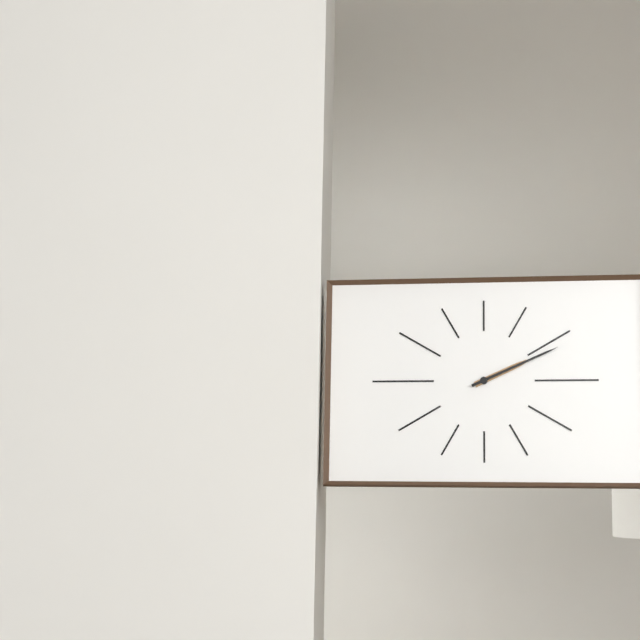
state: 2:11
